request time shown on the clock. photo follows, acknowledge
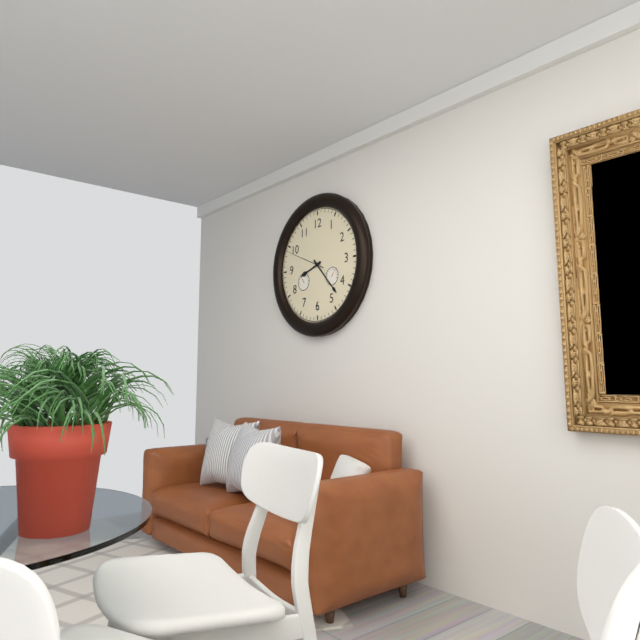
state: 8:23
